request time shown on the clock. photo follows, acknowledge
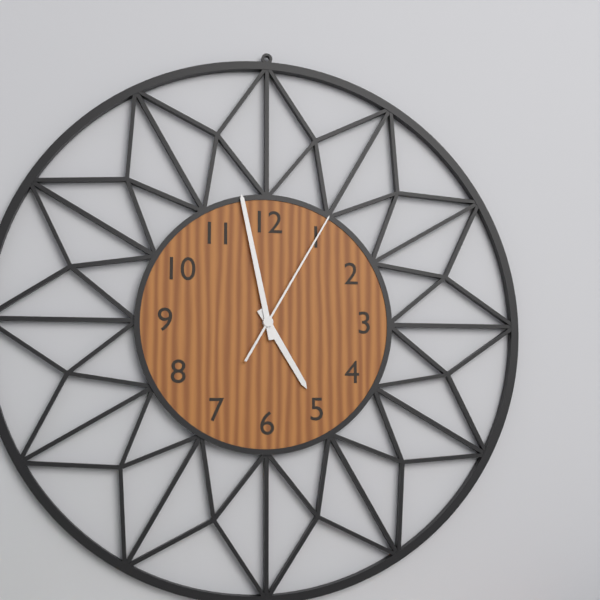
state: 4:58:05
